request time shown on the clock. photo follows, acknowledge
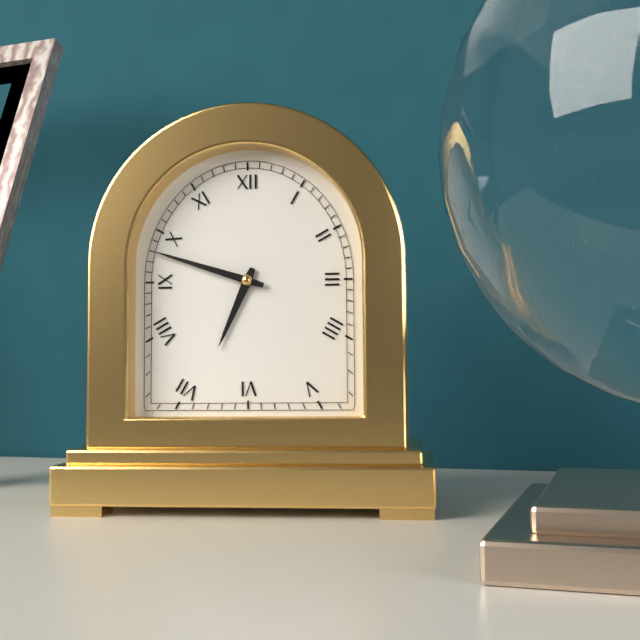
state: 6:48
